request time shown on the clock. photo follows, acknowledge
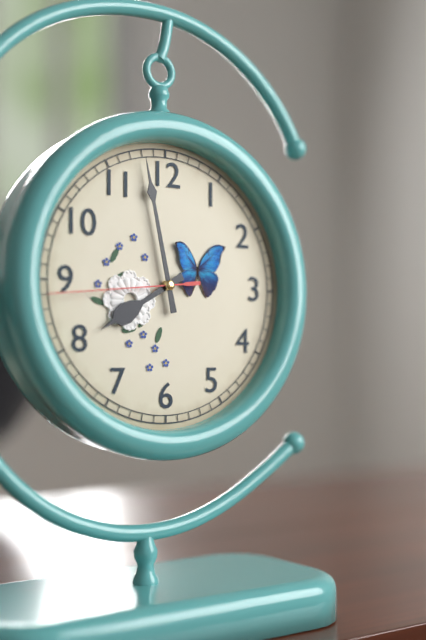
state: 7:58:44
